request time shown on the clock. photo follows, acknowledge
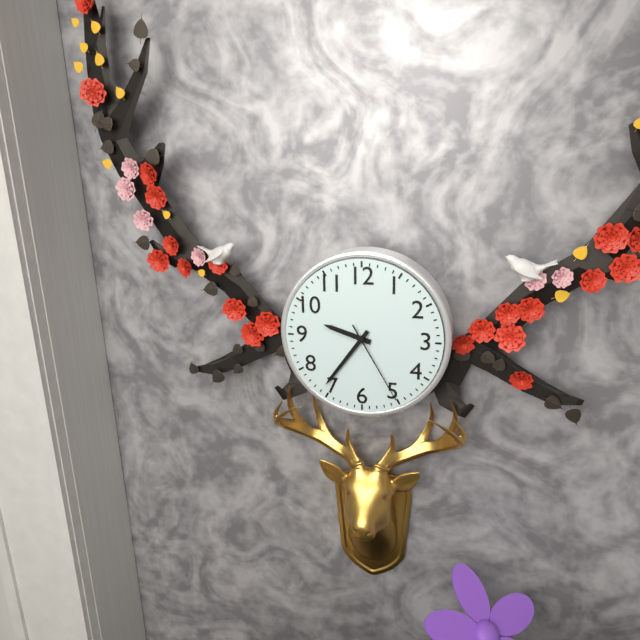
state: 9:36:25
